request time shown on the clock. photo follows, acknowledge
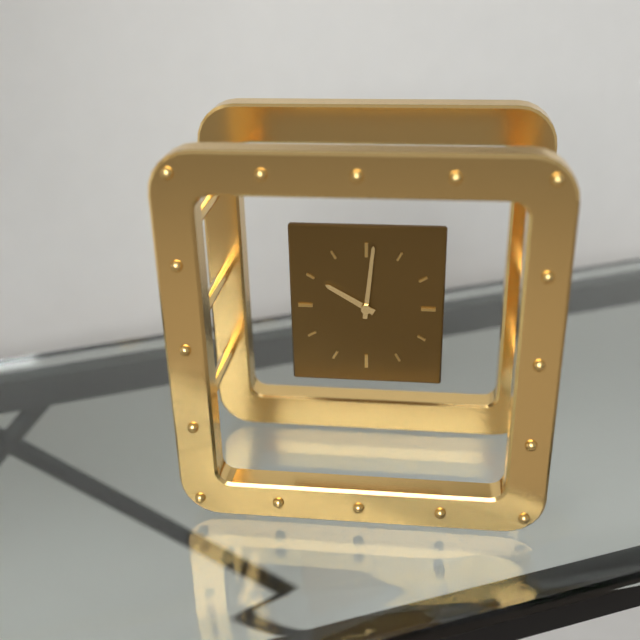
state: 10:01
